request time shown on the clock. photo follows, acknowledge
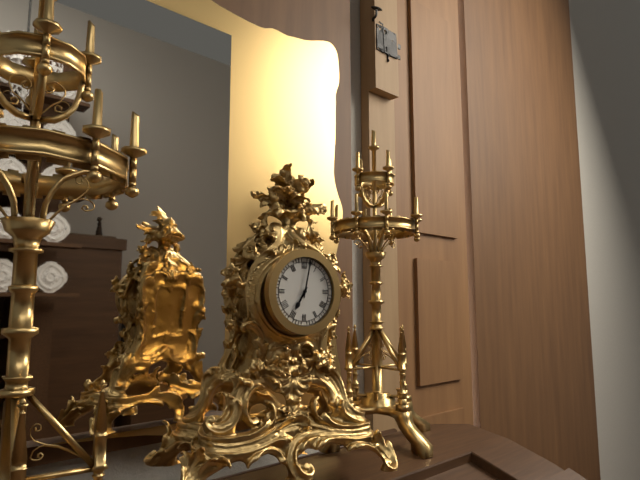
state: 7:02
